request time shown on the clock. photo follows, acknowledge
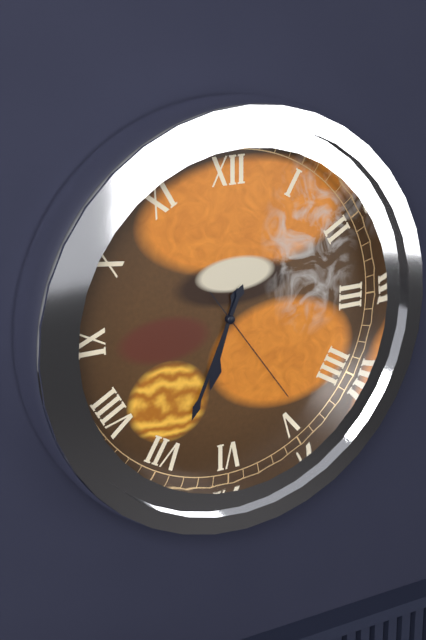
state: 6:34:24
